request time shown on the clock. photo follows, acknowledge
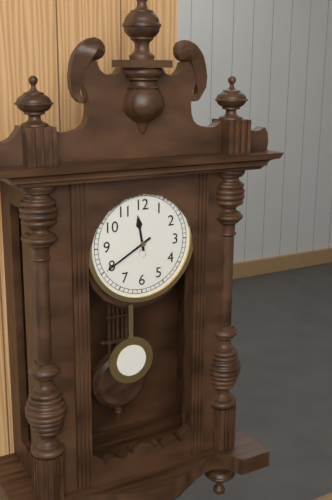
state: 11:40
